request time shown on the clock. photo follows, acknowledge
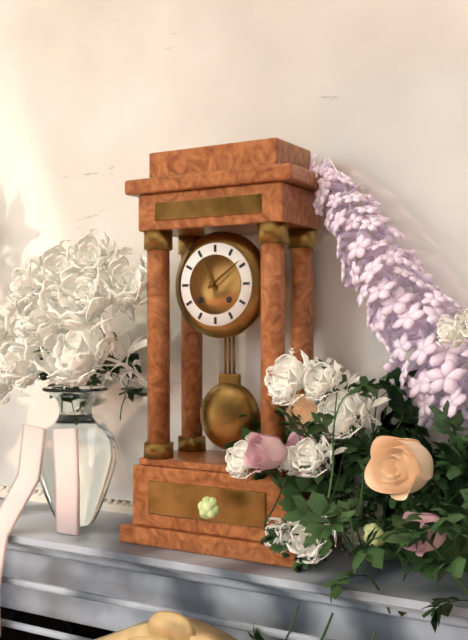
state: 11:09
